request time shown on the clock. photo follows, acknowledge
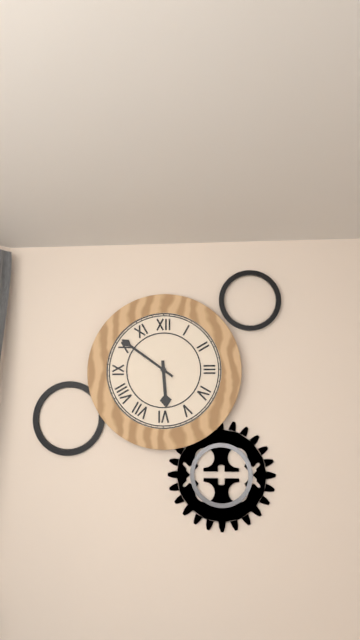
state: 5:51
